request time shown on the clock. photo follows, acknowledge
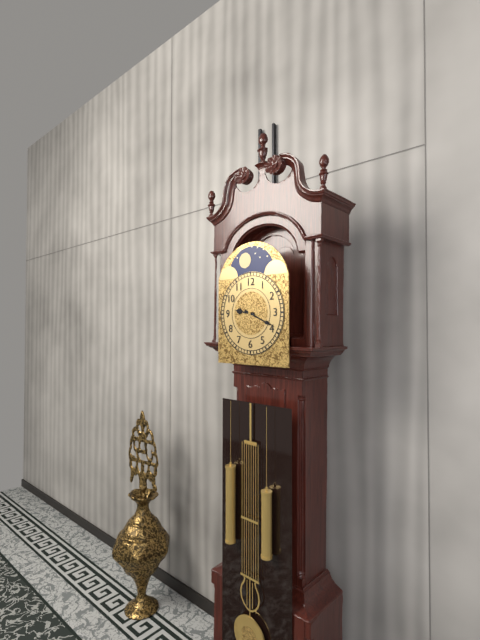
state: 9:19
